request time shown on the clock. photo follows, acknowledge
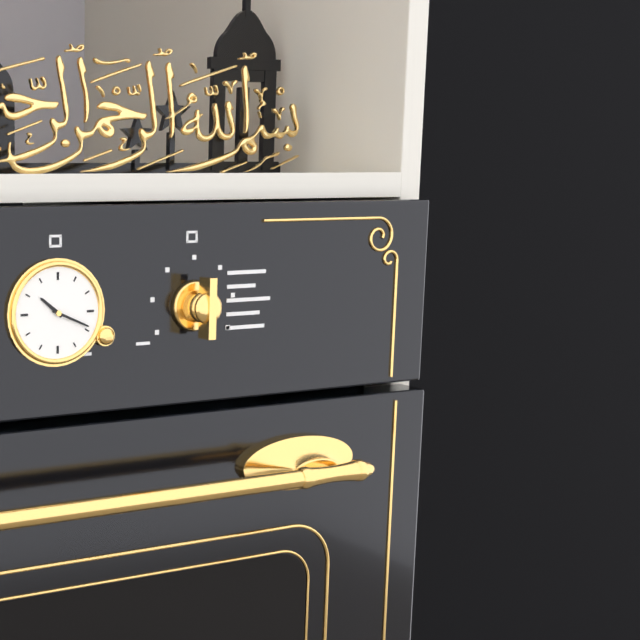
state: 10:19
